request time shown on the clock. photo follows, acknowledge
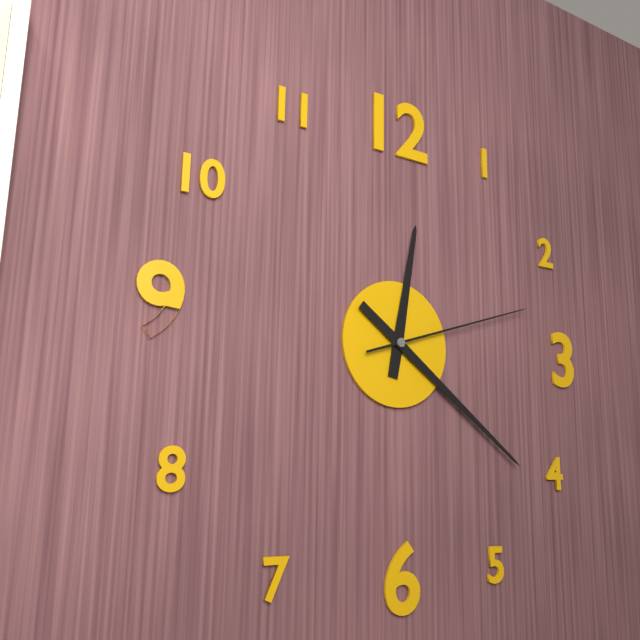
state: 12:21:12
